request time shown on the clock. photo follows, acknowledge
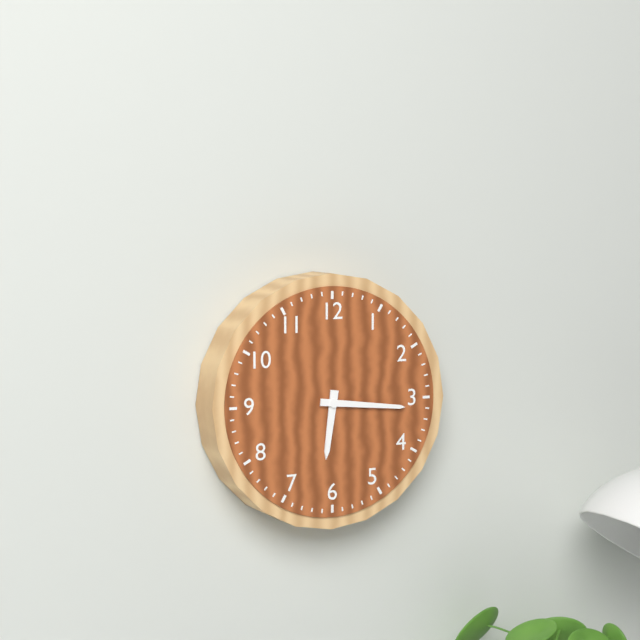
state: 6:16
